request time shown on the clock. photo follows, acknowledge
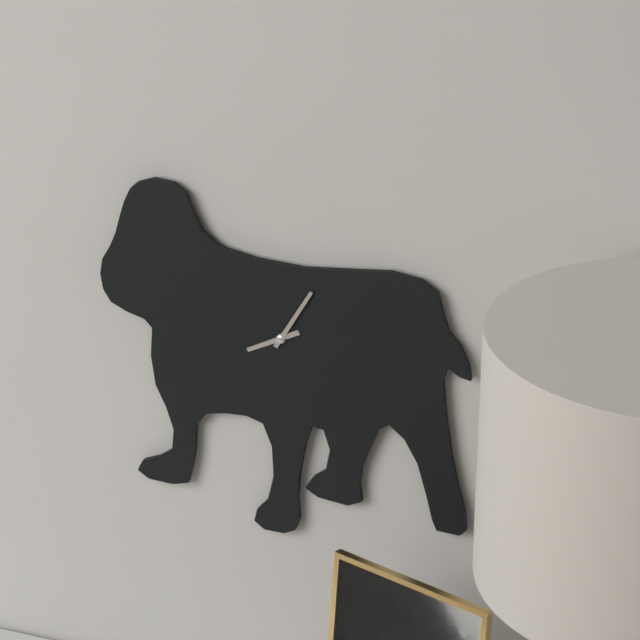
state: 8:05
